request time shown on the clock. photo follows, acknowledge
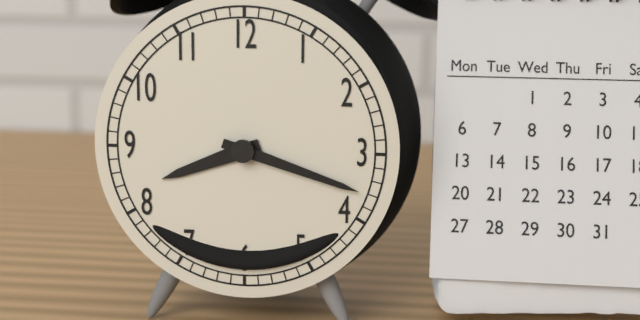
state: 8:18
